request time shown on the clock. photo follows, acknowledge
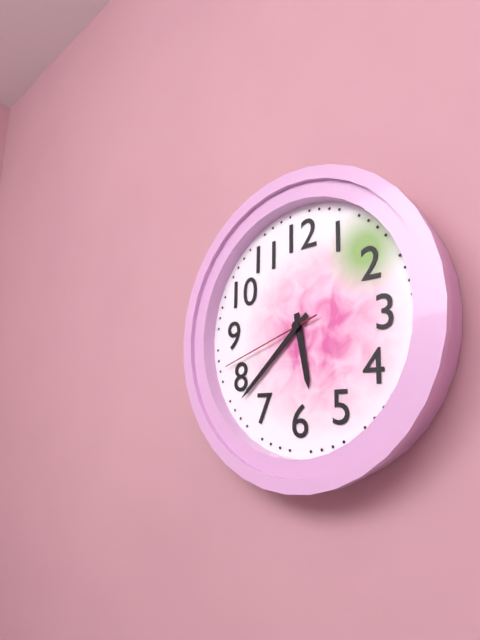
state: 5:38:42
